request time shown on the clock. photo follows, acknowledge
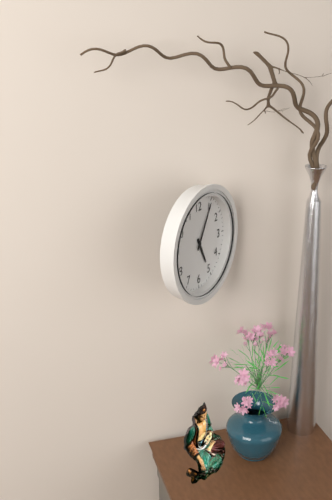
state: 5:05
